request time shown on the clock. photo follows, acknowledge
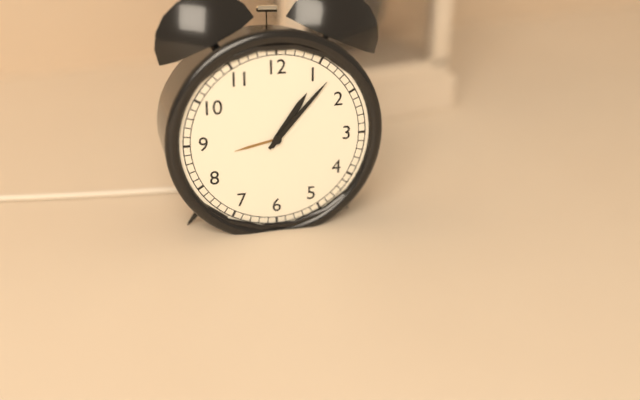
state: 1:07
